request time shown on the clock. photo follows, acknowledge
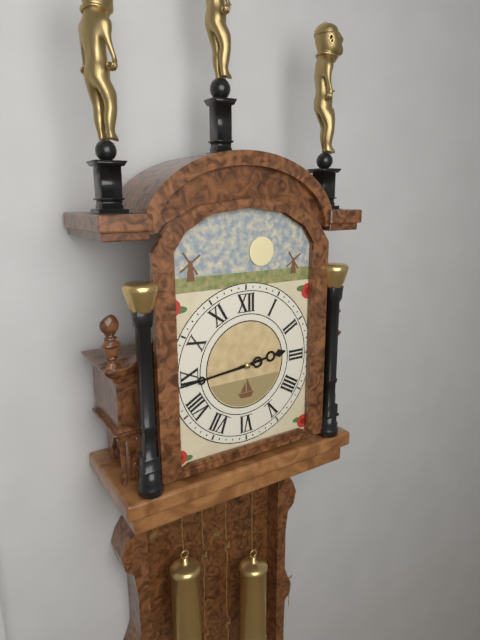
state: 2:44
